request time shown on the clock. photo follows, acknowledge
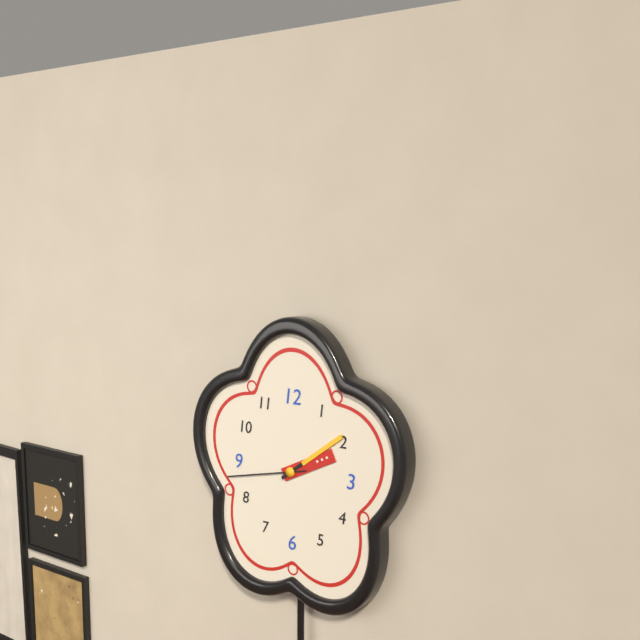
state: 2:09:43
